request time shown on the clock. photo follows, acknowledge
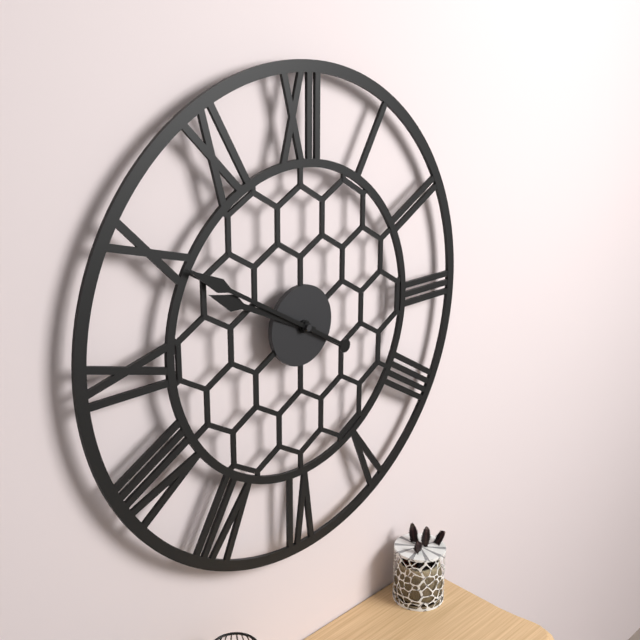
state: 9:50
